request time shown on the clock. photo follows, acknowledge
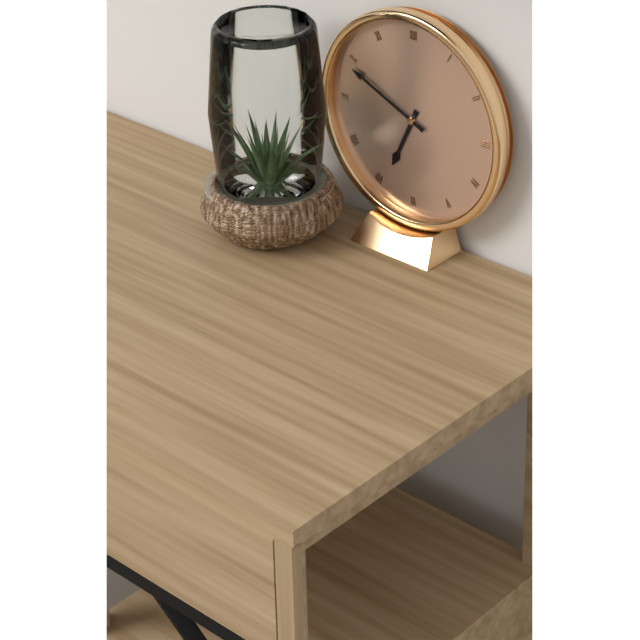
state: 6:49
